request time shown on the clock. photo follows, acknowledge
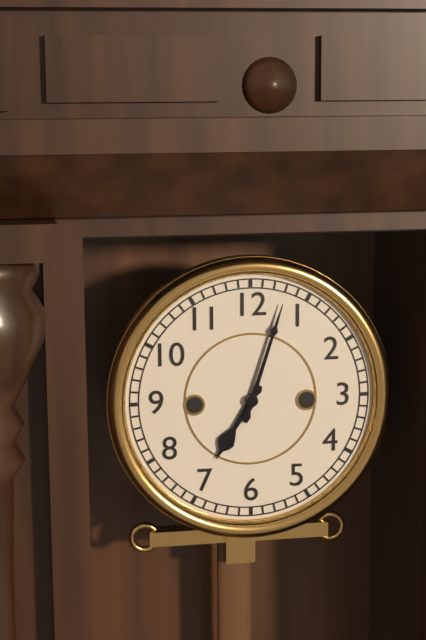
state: 7:03
